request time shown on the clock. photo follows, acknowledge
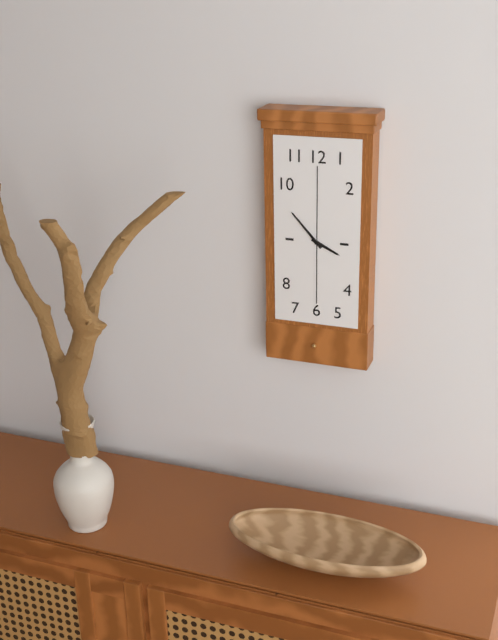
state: 3:53
